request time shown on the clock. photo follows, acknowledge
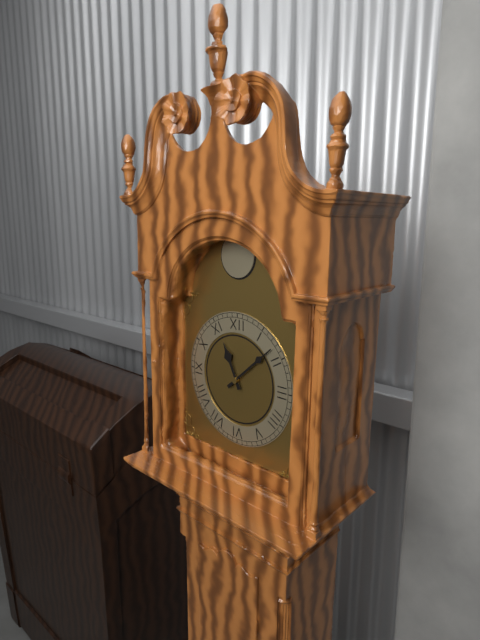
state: 11:08
